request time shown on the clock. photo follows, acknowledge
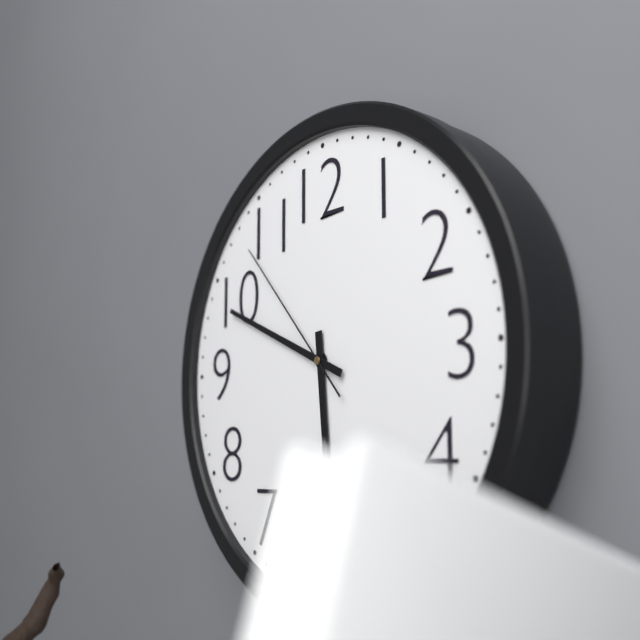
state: 5:49:53
